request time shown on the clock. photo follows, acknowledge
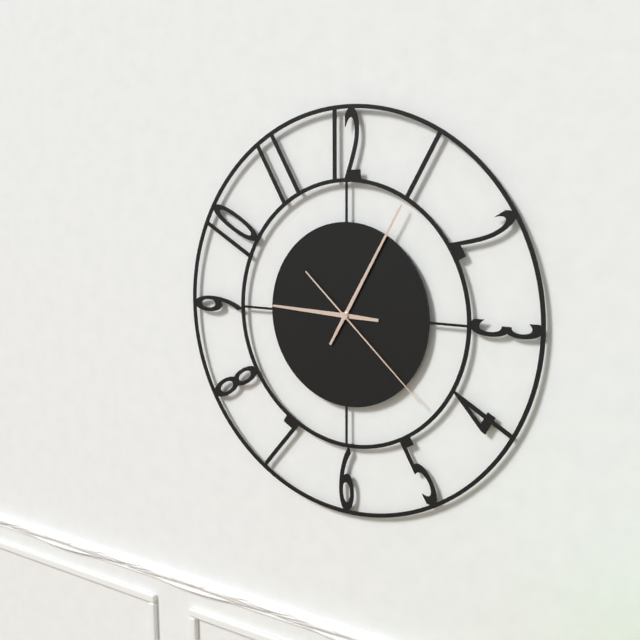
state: 9:05:22
